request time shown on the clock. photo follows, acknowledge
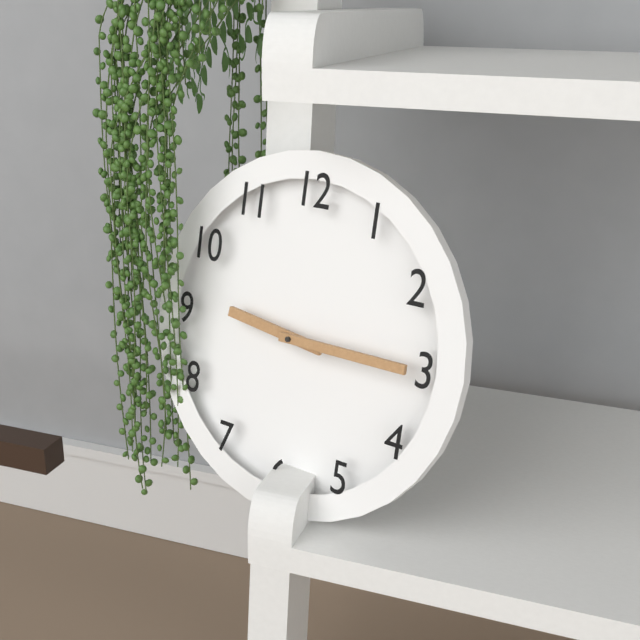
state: 9:15
